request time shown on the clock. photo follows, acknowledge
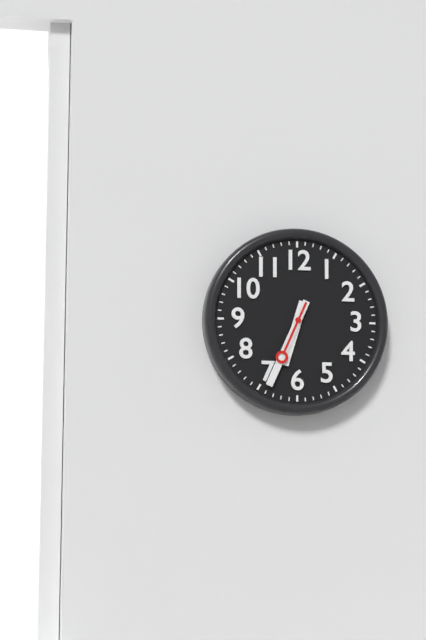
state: 6:34:34
